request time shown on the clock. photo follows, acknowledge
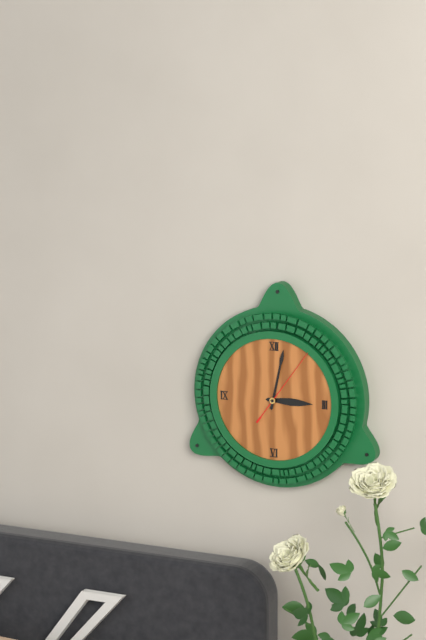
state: 3:02:06
